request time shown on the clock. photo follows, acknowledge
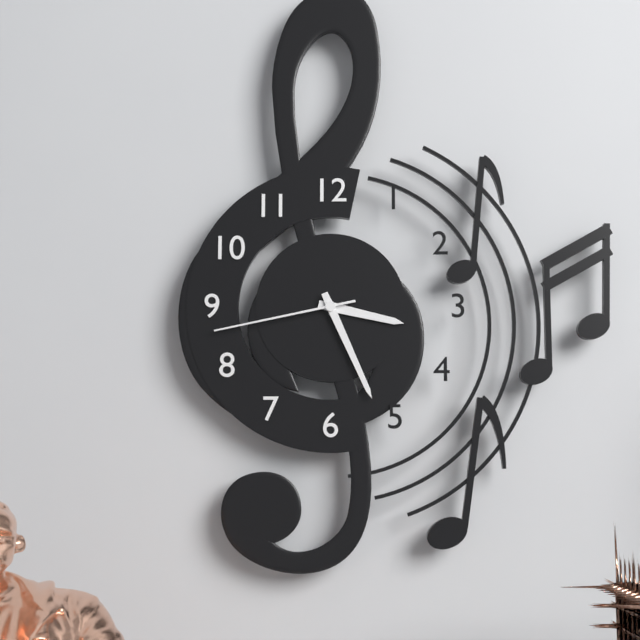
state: 3:26:43
